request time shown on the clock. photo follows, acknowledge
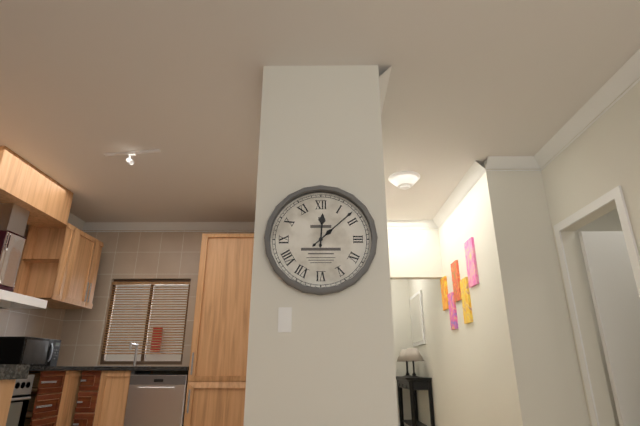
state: 12:08
